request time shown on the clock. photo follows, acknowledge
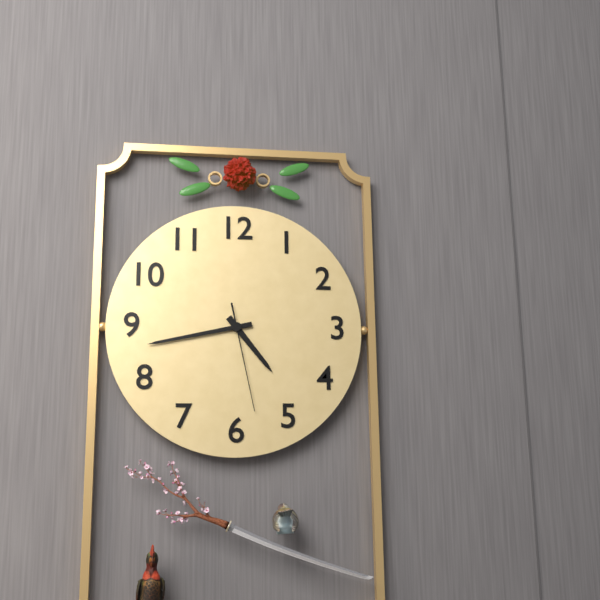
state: 4:43:28
